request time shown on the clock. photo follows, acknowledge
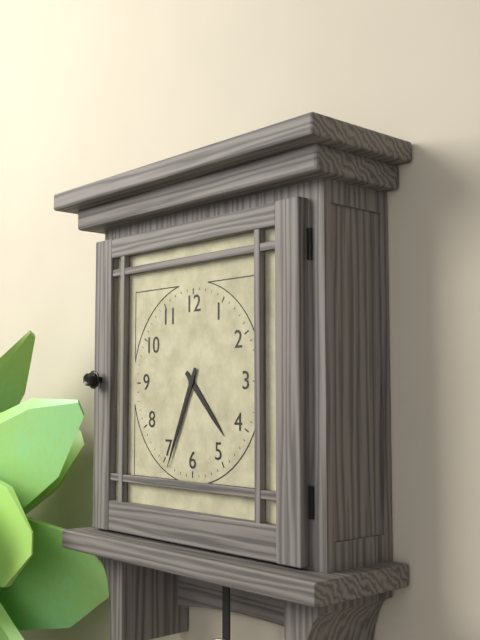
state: 4:34
